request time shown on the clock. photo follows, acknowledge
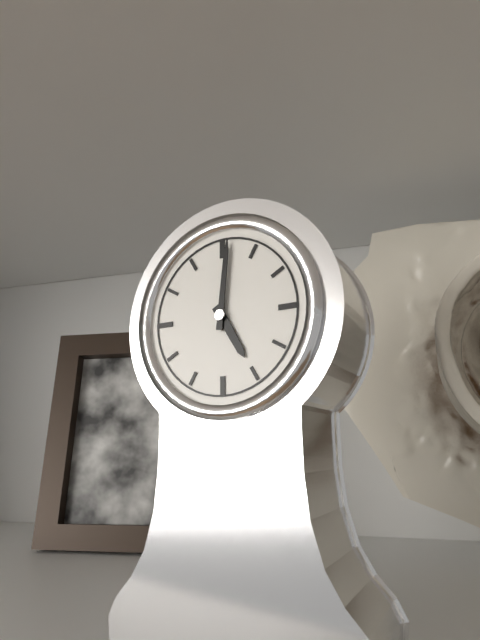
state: 5:01
